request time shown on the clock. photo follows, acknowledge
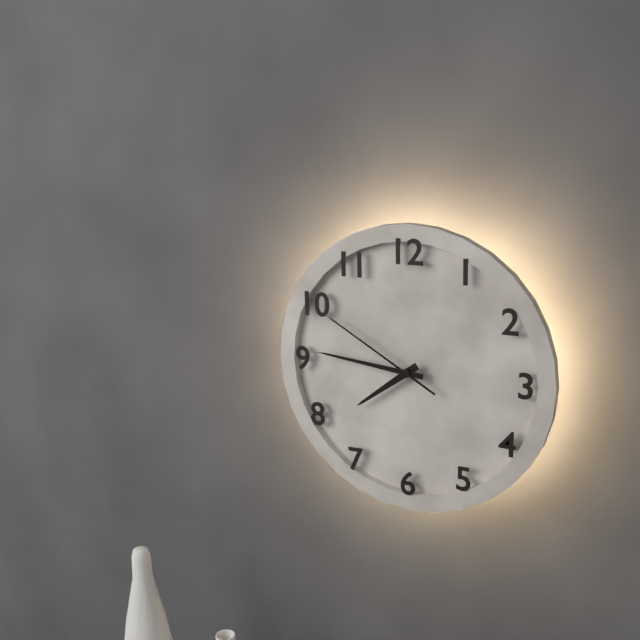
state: 7:46:50
